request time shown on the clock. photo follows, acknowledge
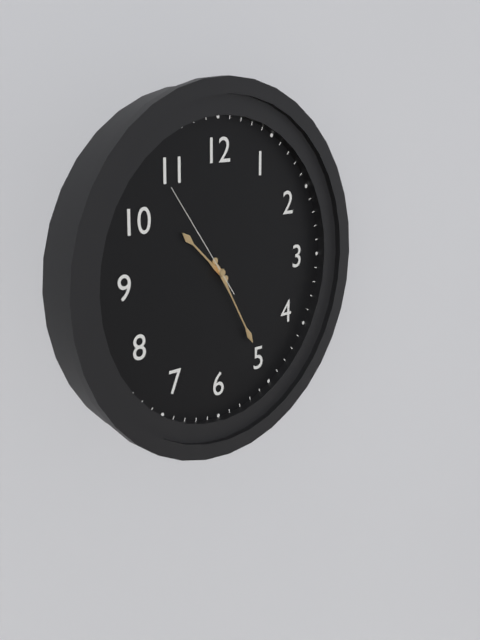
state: 10:25:54
